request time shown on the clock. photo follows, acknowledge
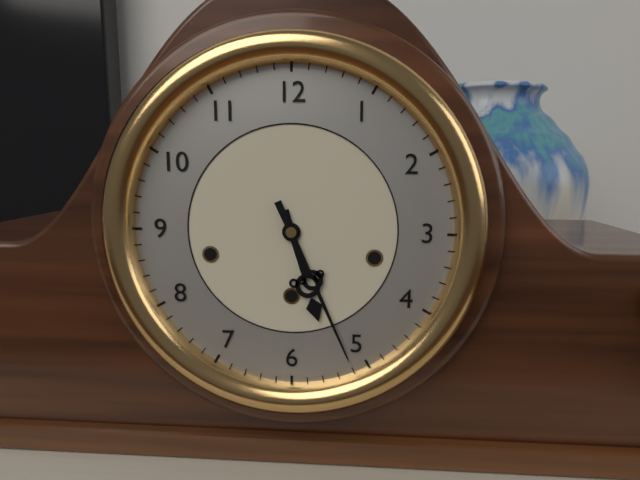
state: 5:26
